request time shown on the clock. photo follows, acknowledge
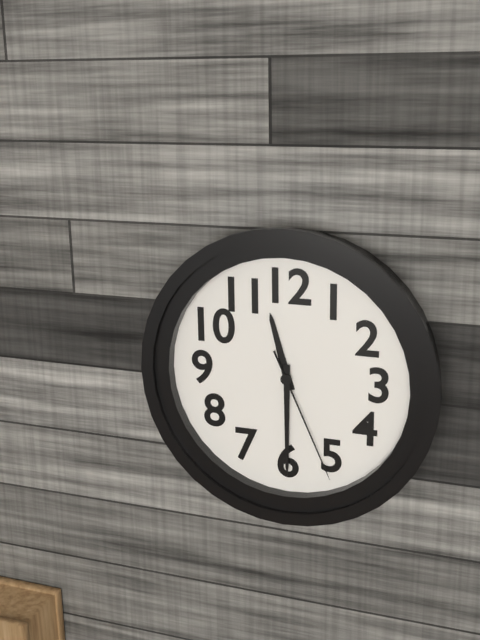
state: 11:30:26
